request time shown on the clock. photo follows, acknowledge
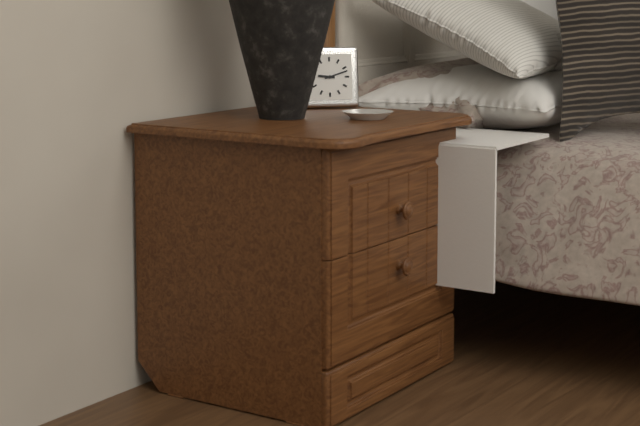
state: 9:12
